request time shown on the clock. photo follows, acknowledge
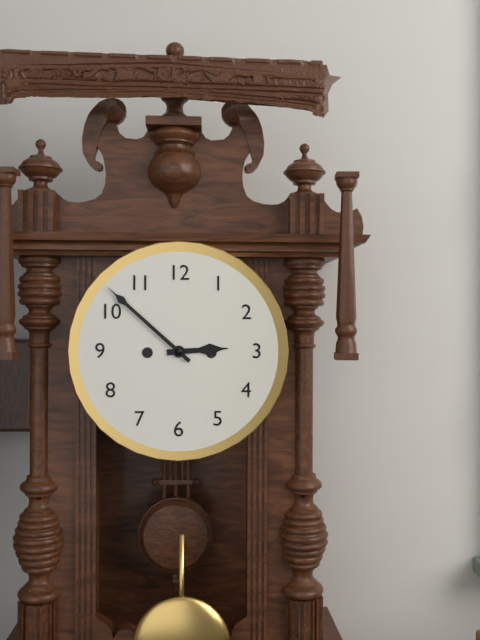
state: 2:52
